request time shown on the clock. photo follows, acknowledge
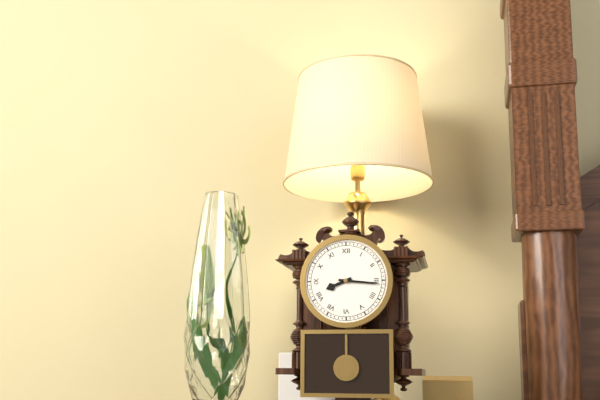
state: 8:16
